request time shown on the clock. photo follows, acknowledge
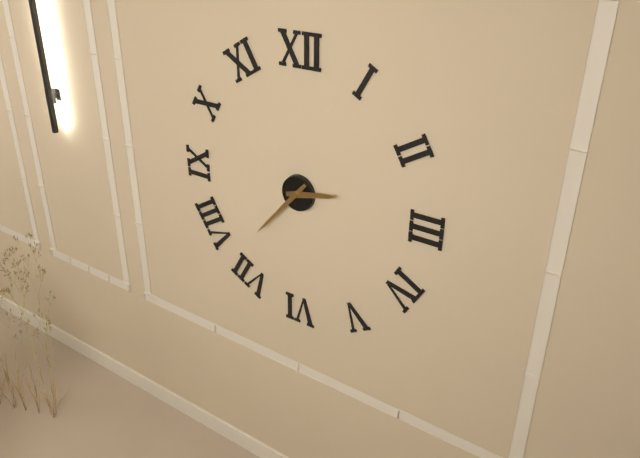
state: 2:37
